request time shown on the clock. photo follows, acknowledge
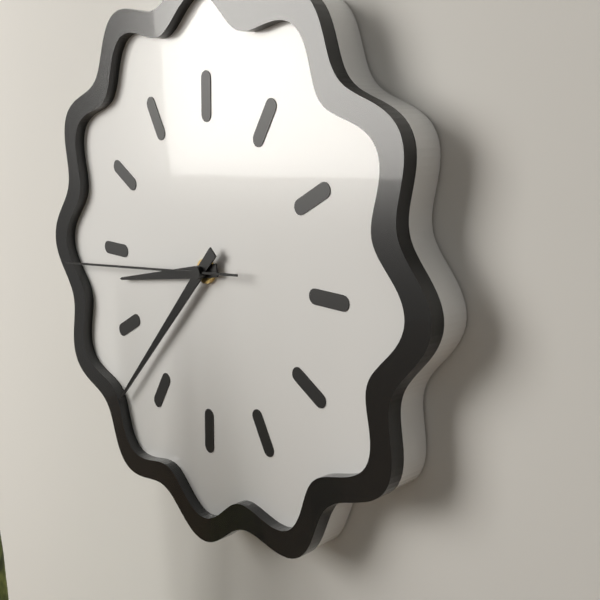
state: 8:37:44
